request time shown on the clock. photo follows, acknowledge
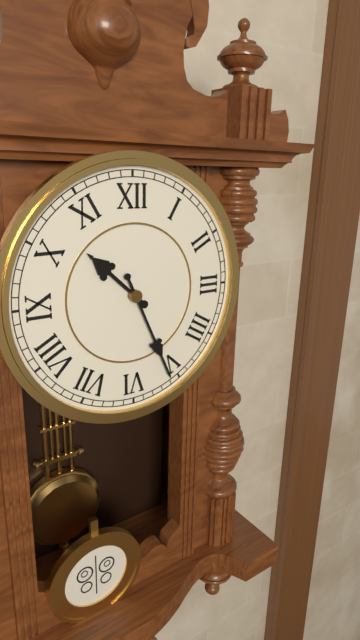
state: 10:26
